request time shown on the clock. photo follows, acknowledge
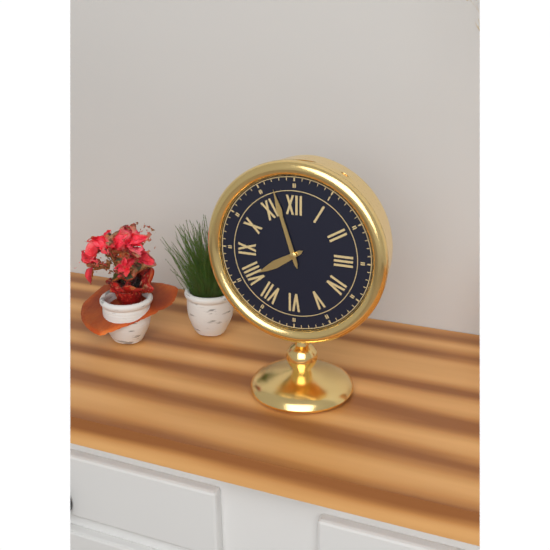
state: 7:57
